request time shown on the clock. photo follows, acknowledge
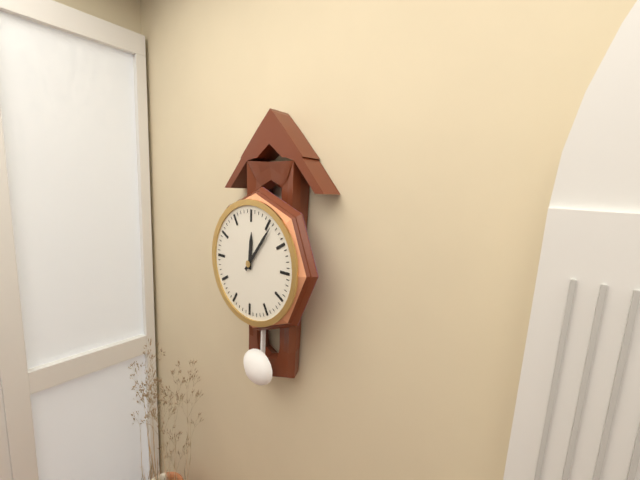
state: 12:06
